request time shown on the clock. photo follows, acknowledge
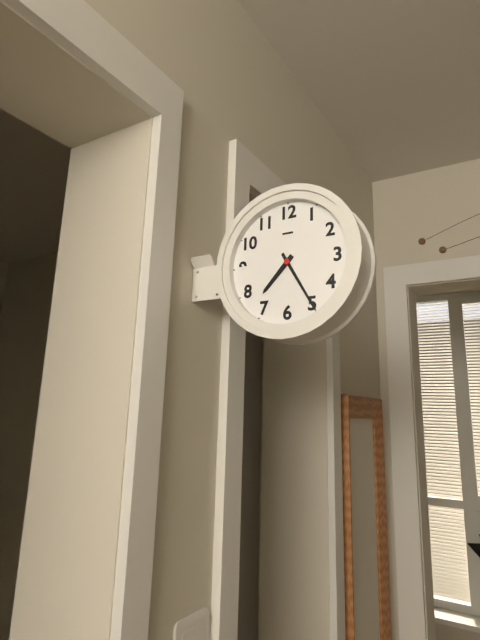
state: 7:25
